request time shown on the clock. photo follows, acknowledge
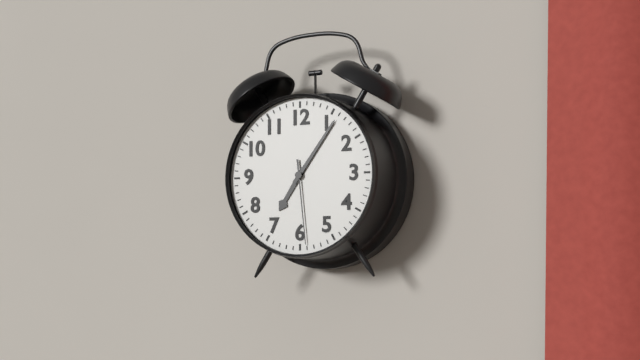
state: 7:06:29
